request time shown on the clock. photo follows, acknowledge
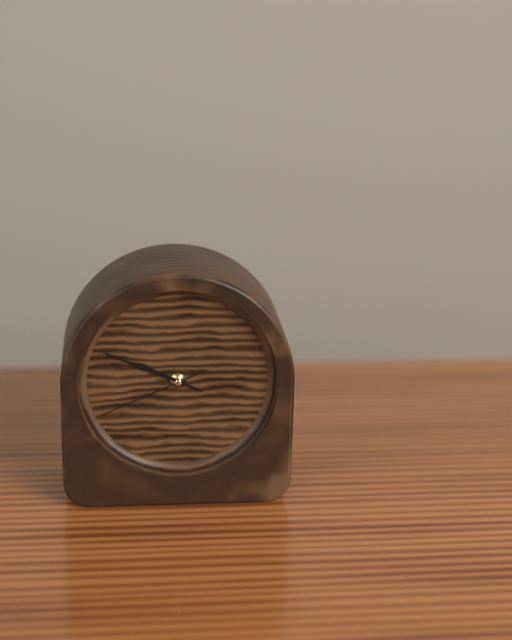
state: 9:49:41
